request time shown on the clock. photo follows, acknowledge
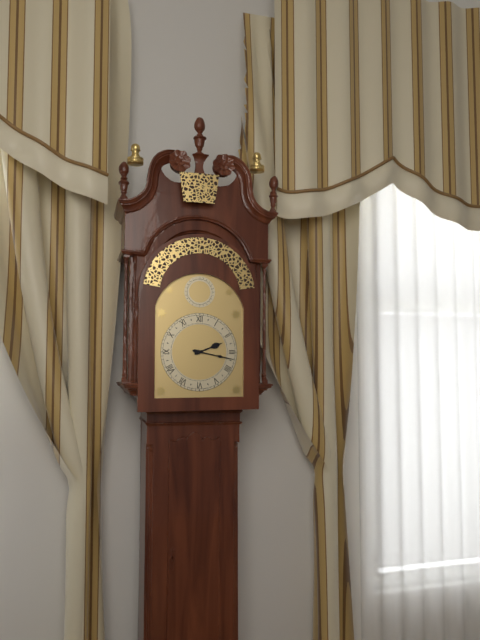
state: 2:17
